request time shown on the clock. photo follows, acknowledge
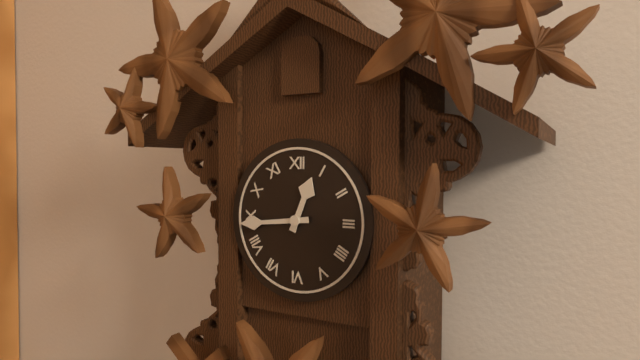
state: 12:44
